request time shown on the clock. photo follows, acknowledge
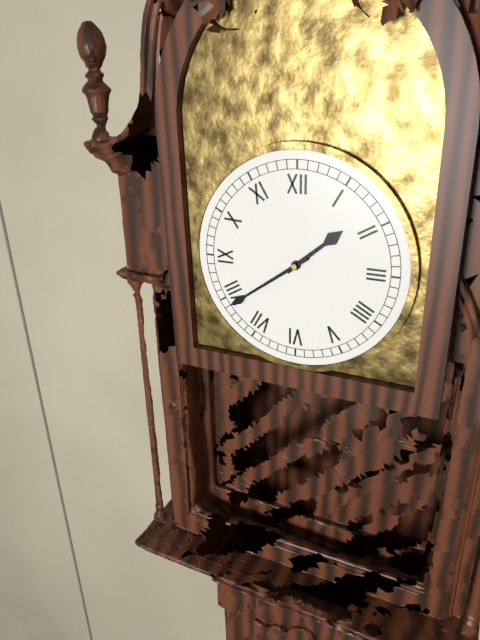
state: 1:39
